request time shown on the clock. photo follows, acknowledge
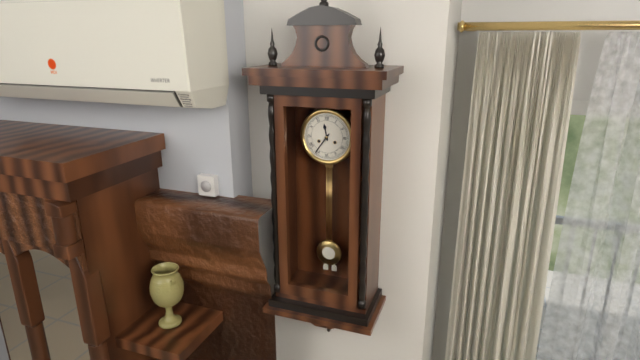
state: 11:36
